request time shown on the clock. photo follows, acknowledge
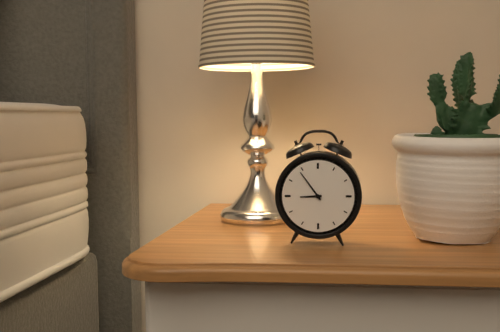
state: 8:54
